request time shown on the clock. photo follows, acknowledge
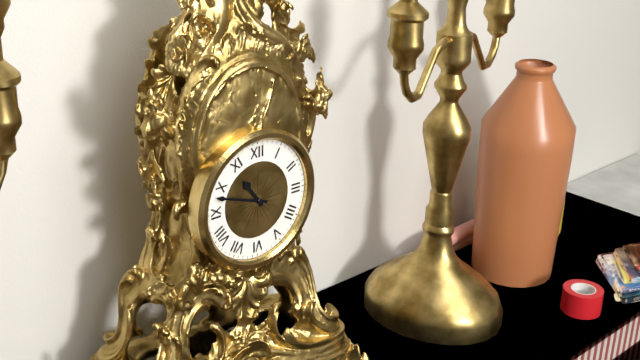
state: 10:48
